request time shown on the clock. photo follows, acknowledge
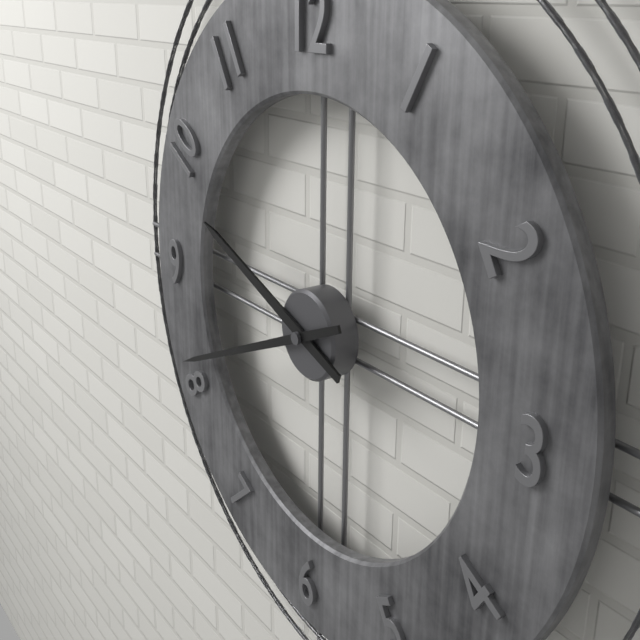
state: 9:41
